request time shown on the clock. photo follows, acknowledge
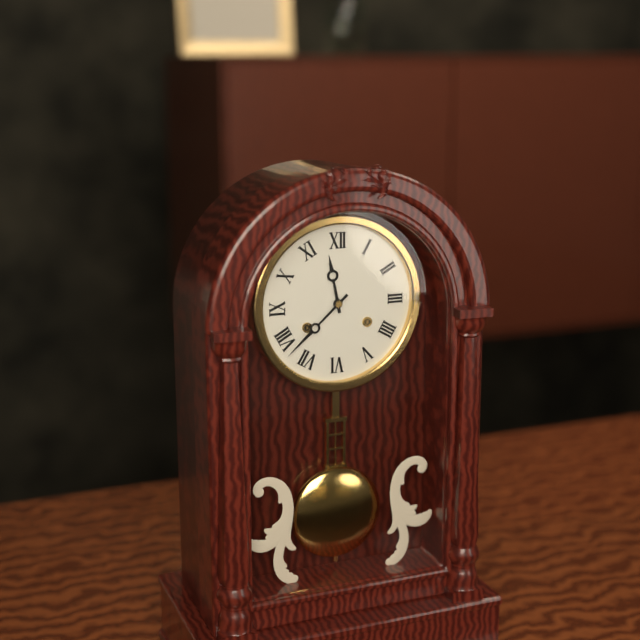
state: 11:38
